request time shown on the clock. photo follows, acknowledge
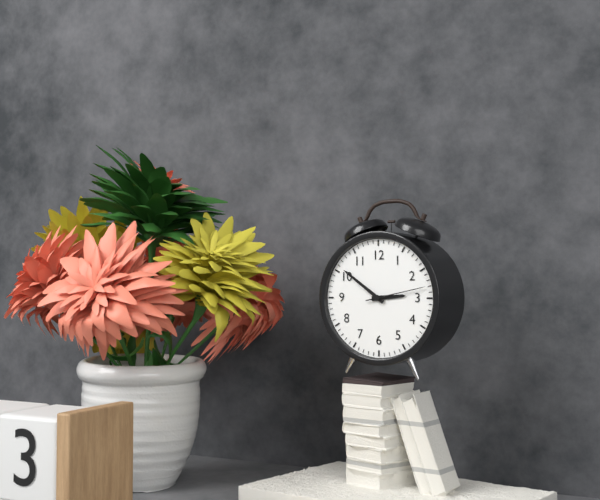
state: 2:51:13
